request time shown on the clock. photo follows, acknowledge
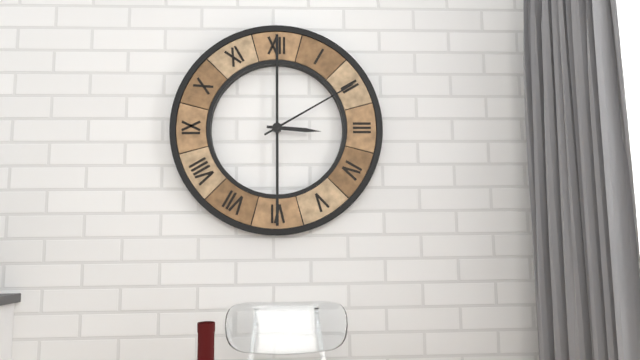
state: 3:10
